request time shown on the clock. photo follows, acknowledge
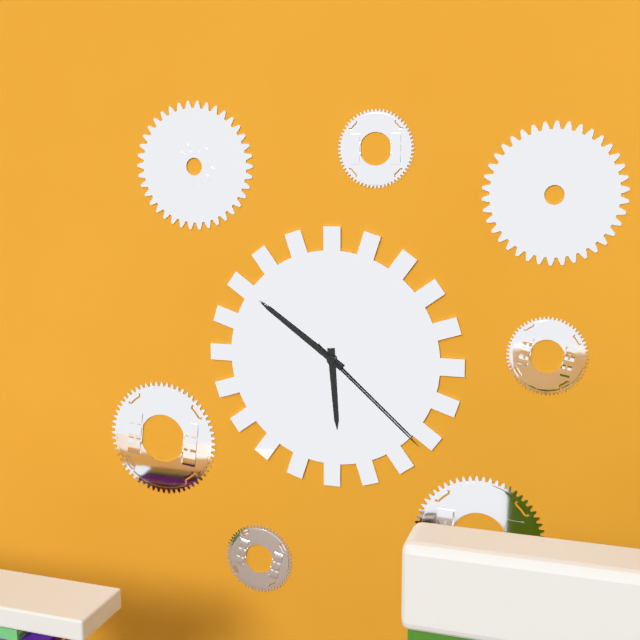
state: 5:51:22
